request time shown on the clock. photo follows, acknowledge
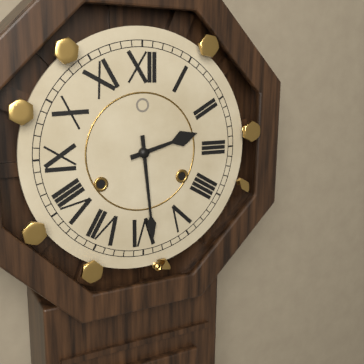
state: 2:29
